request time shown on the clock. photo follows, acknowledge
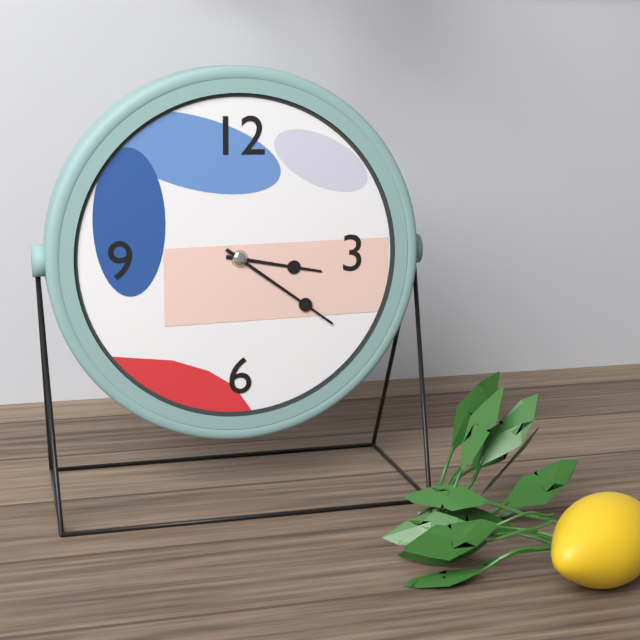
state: 3:21
